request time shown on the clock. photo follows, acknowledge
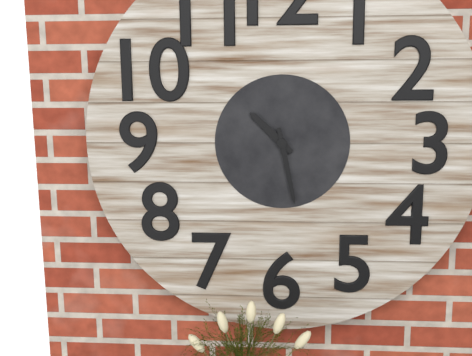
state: 10:28
